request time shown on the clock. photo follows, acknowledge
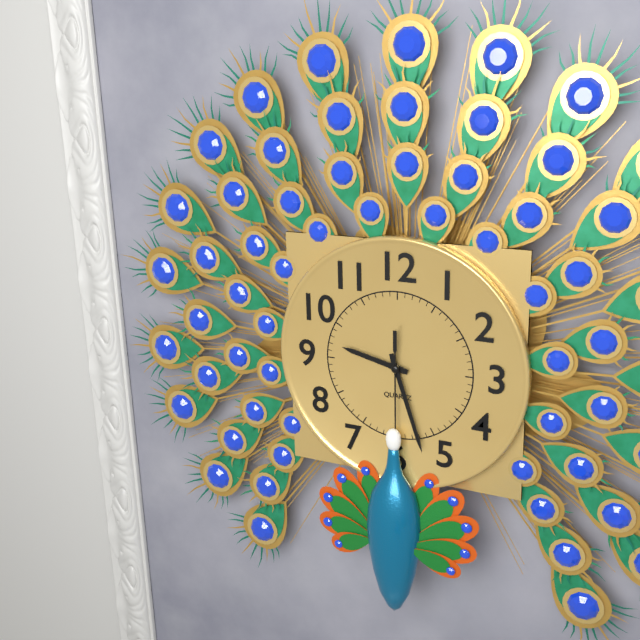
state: 9:27
